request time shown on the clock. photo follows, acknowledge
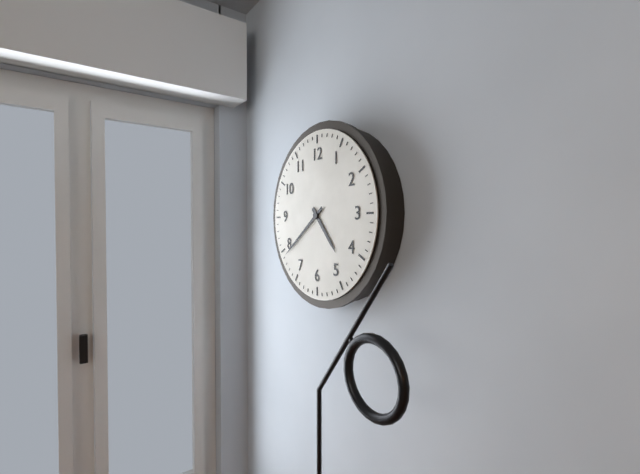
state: 4:39
